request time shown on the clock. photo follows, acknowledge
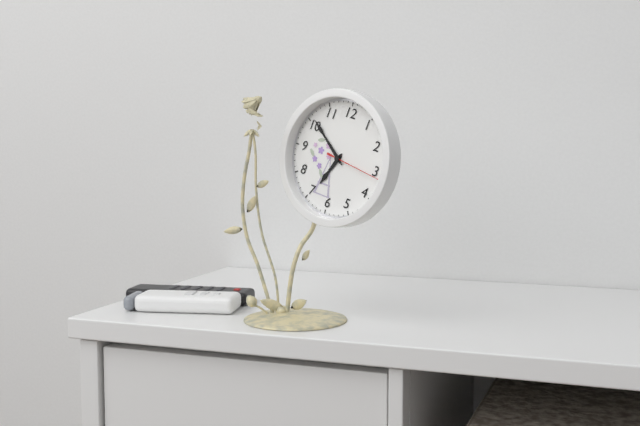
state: 6:51:16
